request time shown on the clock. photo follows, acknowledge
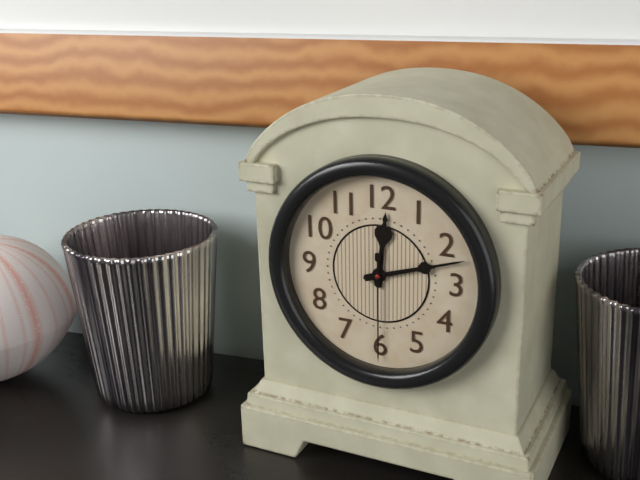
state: 12:12:30
